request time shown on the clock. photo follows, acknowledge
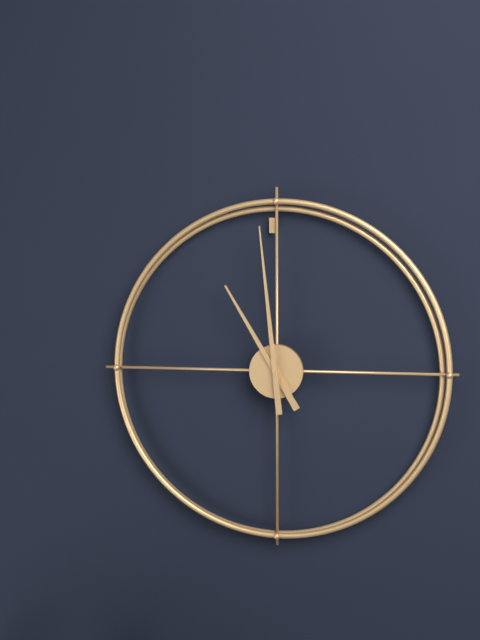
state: 10:59
